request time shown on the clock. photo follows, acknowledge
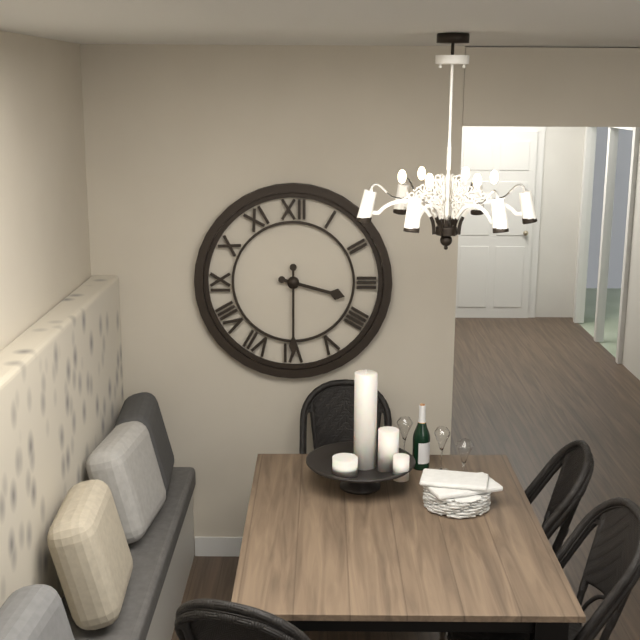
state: 3:30
